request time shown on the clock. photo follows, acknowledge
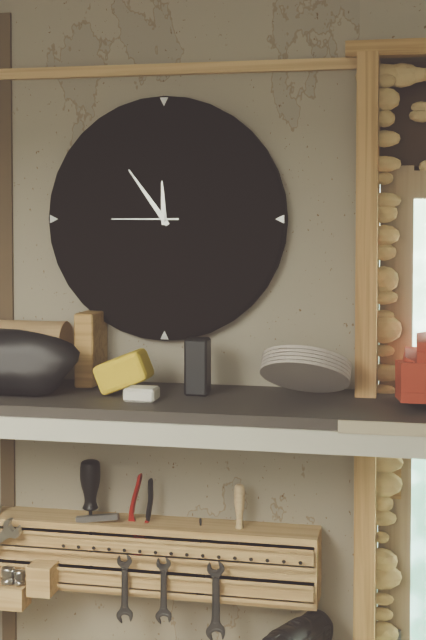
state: 11:54:45
